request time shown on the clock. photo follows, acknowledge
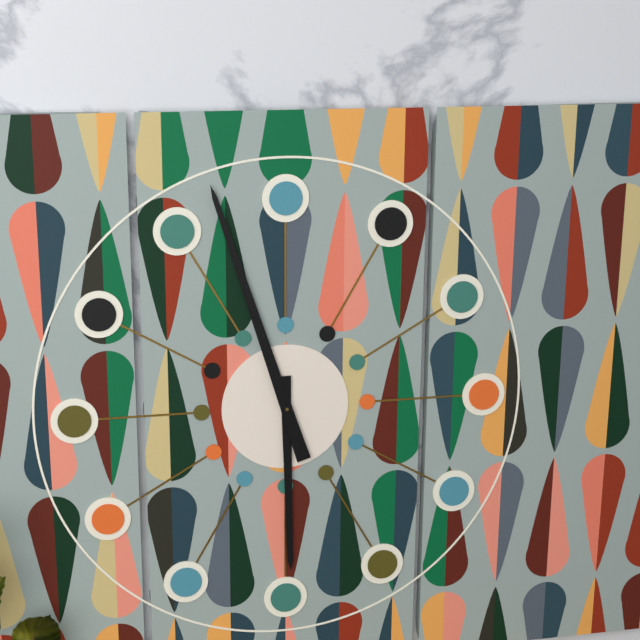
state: 5:57
